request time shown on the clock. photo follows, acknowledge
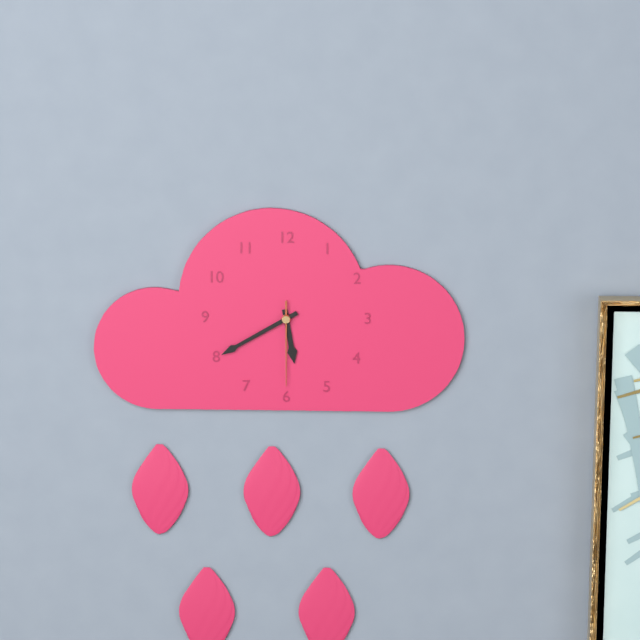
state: 5:40:30
